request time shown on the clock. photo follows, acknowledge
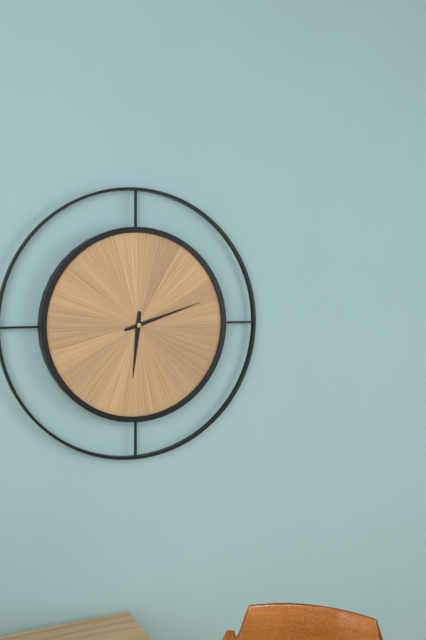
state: 6:12
